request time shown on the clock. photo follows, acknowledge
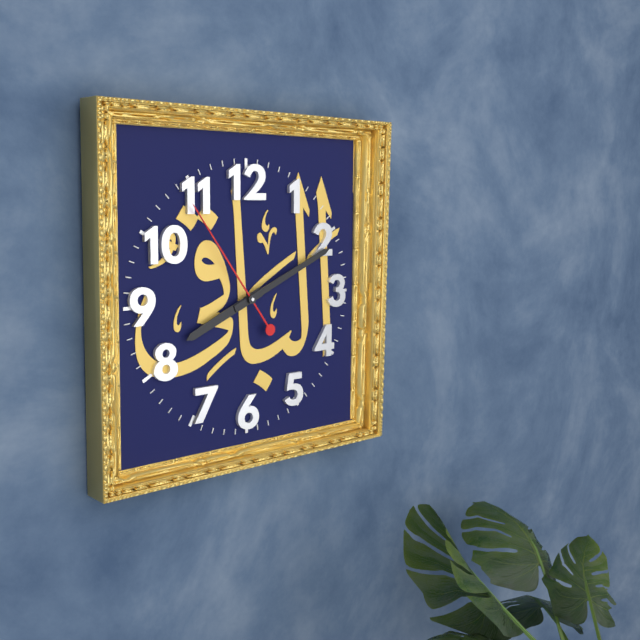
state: 8:11:54
